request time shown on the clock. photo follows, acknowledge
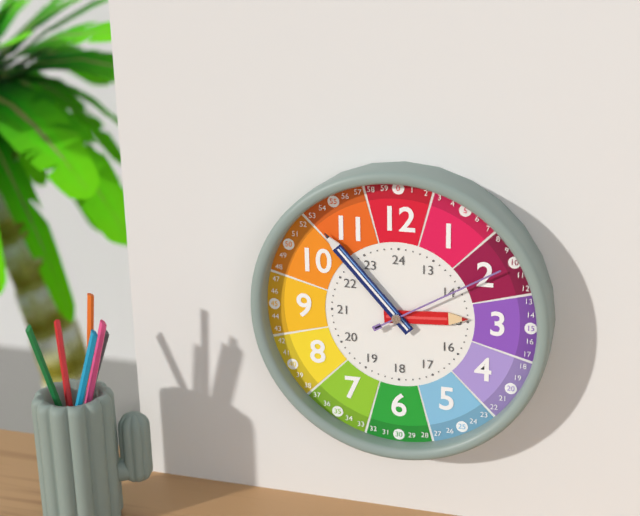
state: 2:53:10
